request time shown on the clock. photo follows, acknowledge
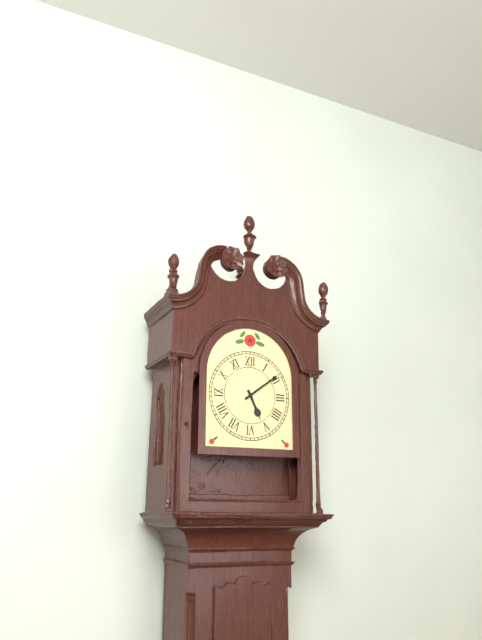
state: 5:09
